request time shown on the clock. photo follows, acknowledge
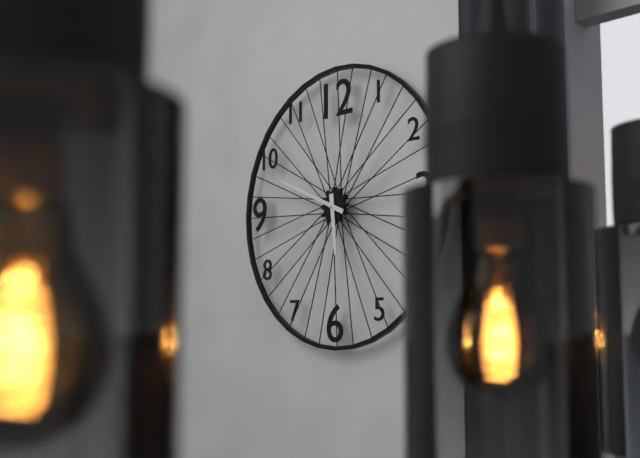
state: 5:49
